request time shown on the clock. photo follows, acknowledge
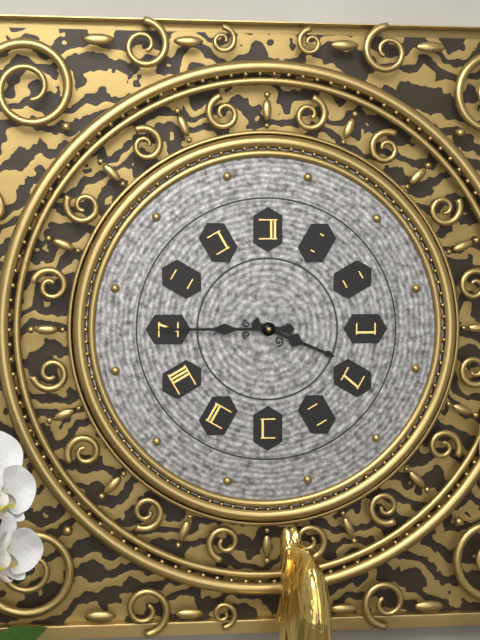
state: 3:45
